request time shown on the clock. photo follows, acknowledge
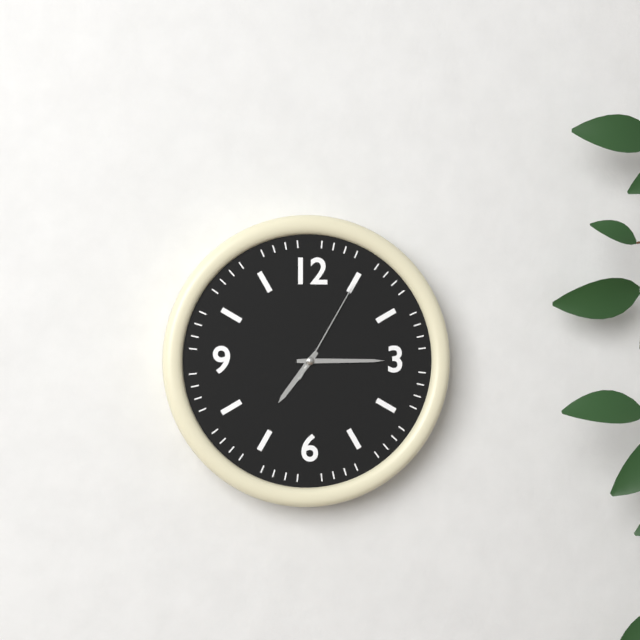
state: 7:15:05
